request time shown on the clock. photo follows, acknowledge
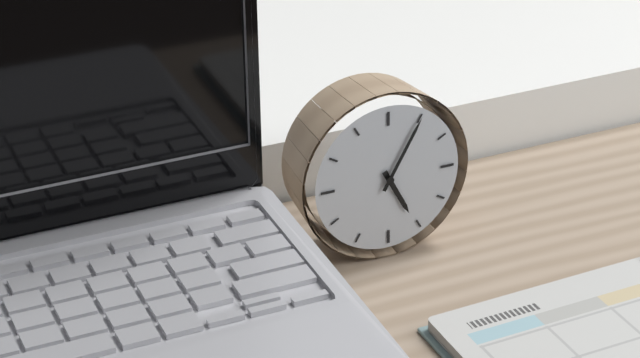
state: 5:05
